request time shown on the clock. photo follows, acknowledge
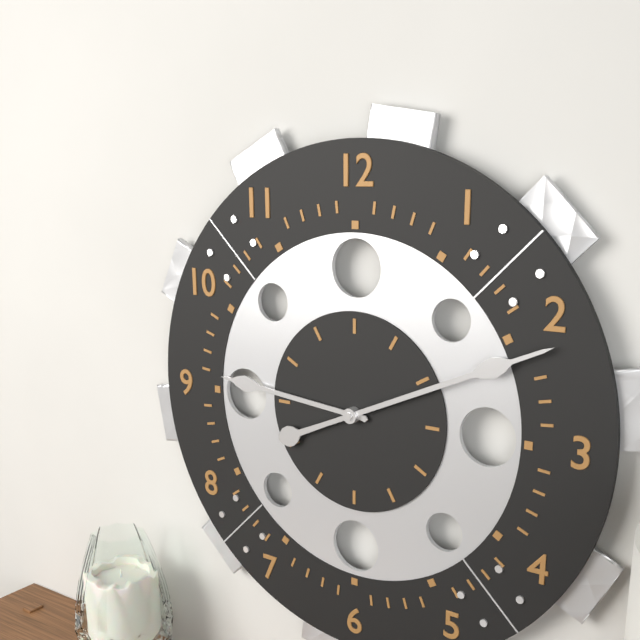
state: 9:11
